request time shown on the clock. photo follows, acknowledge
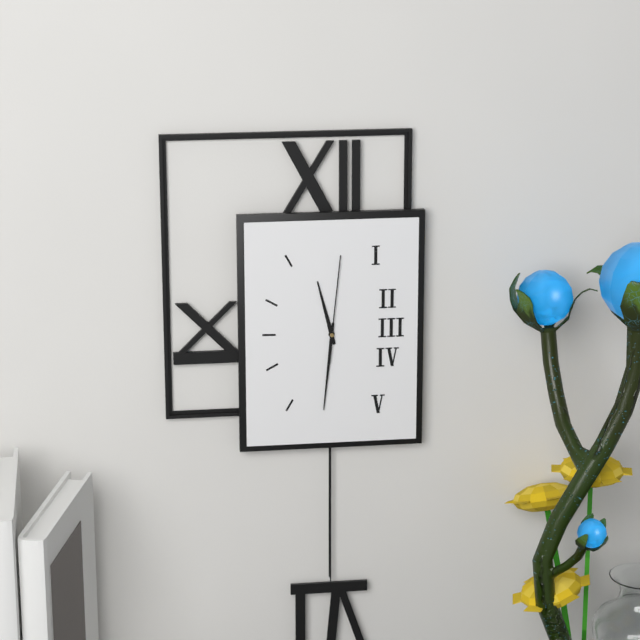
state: 11:31:01
